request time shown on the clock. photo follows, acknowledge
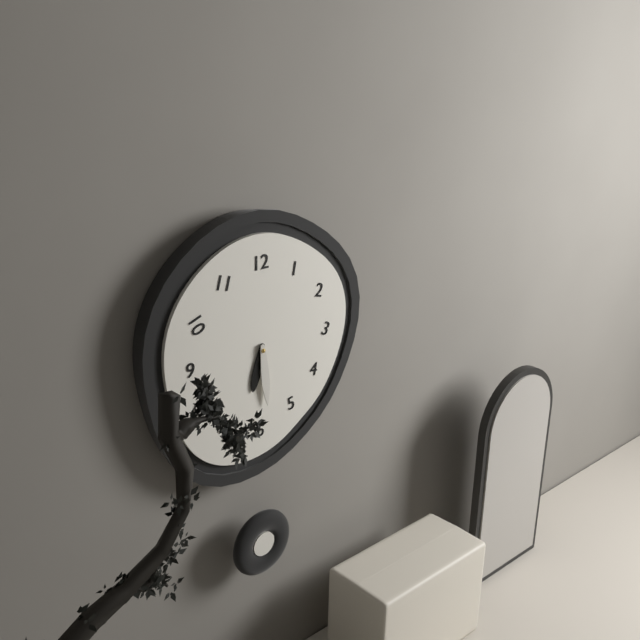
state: 6:29
